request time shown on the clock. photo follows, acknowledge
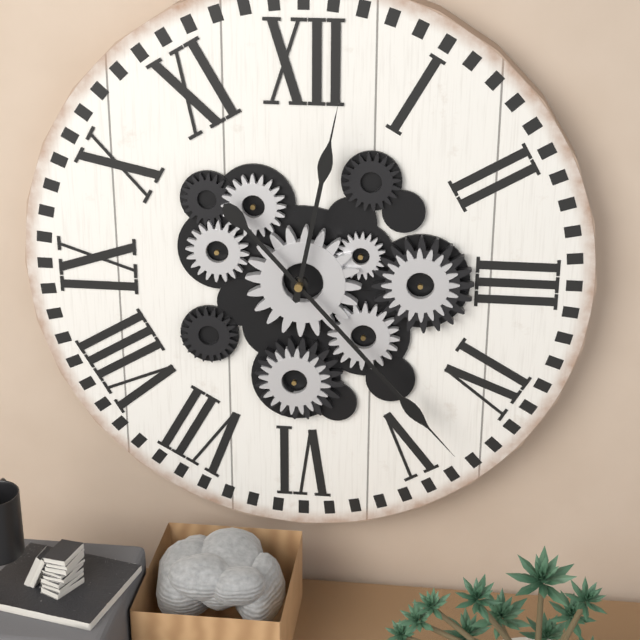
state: 12:23
